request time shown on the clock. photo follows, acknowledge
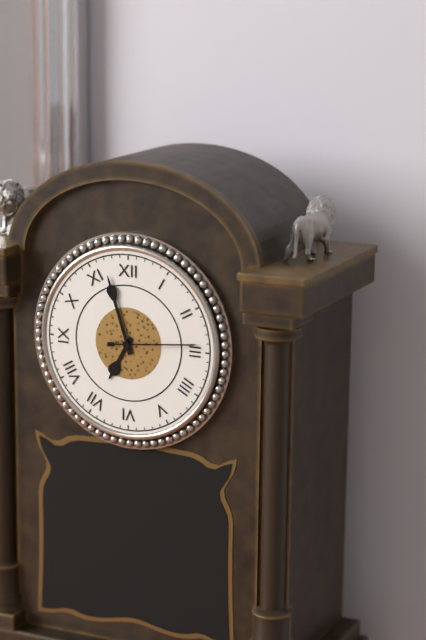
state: 6:57:14
